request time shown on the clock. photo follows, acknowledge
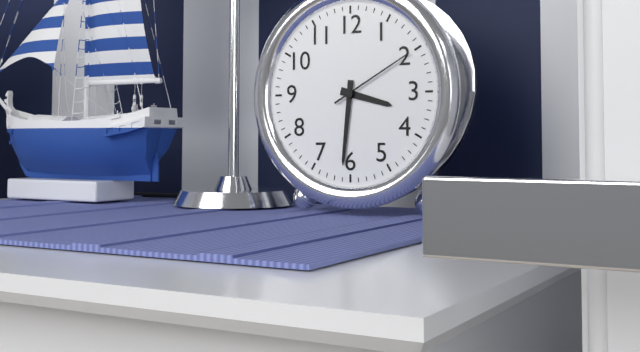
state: 3:31:10
